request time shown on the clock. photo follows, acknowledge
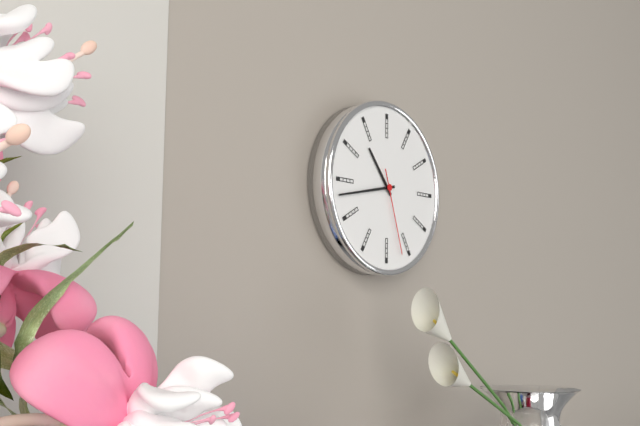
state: 10:43:27
